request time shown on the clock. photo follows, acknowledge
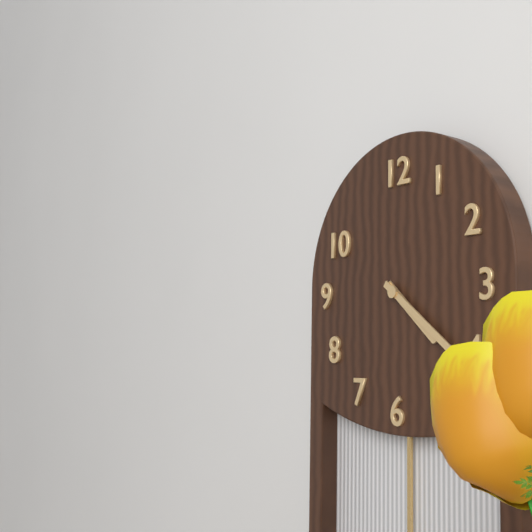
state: 4:21
